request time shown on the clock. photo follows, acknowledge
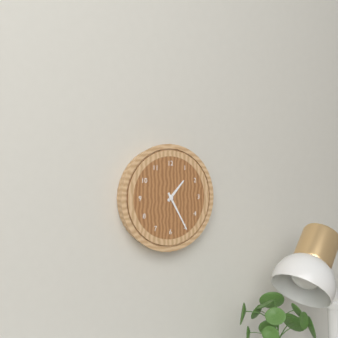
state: 1:25
